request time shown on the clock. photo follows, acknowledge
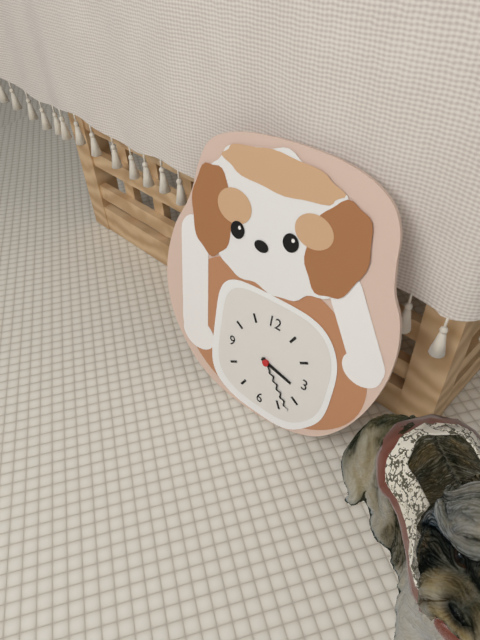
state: 3:23
